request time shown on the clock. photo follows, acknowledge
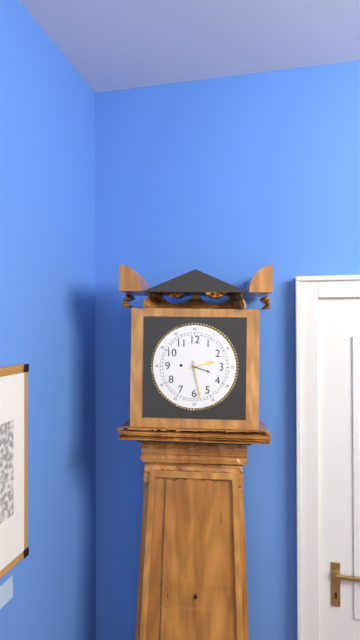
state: 2:28
